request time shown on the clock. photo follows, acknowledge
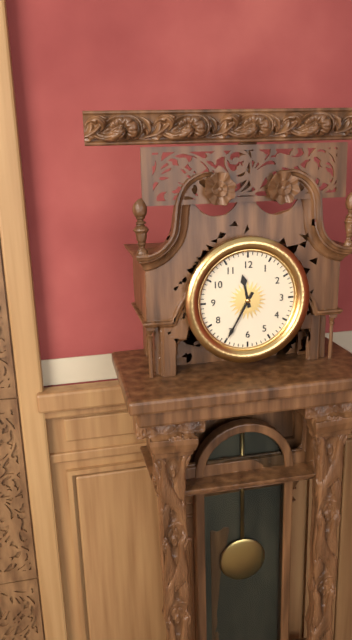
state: 11:35
